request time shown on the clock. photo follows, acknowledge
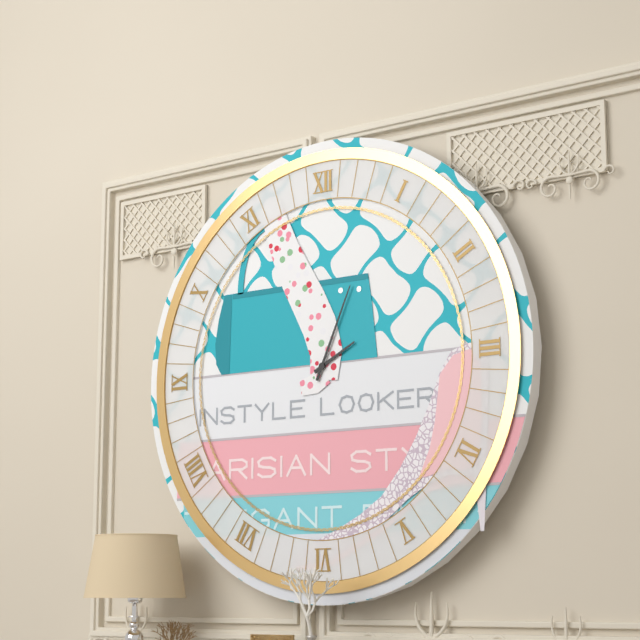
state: 2:04
